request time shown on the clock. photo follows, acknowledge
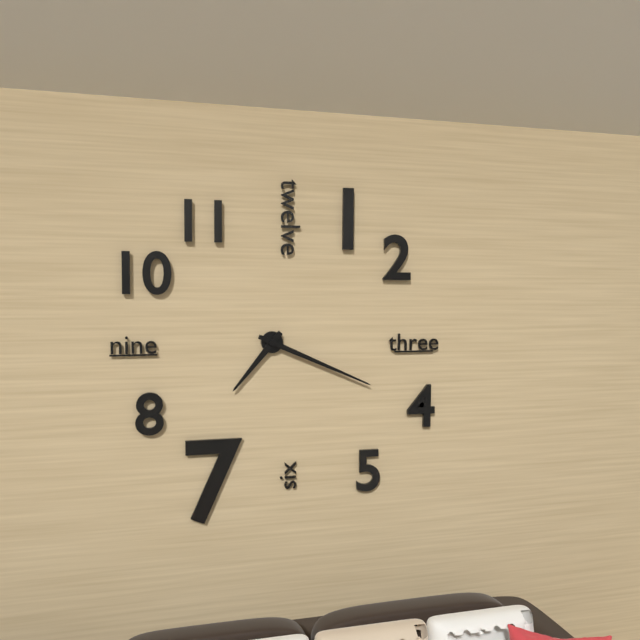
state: 7:19
